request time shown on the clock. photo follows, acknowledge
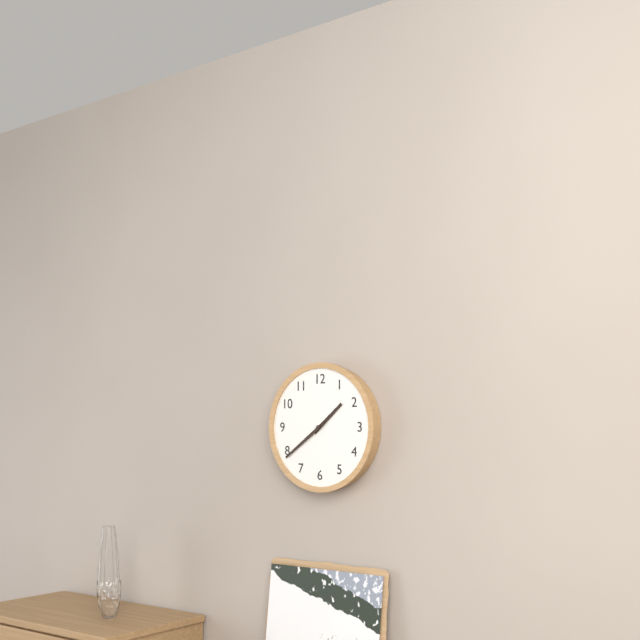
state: 1:39
